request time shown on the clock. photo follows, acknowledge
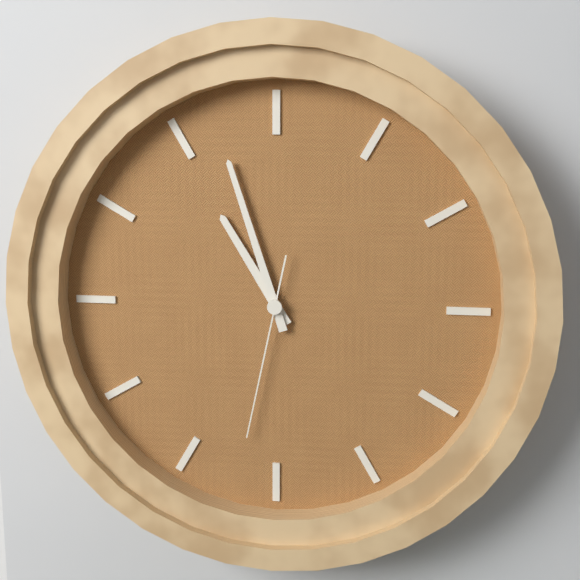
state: 10:57:32
